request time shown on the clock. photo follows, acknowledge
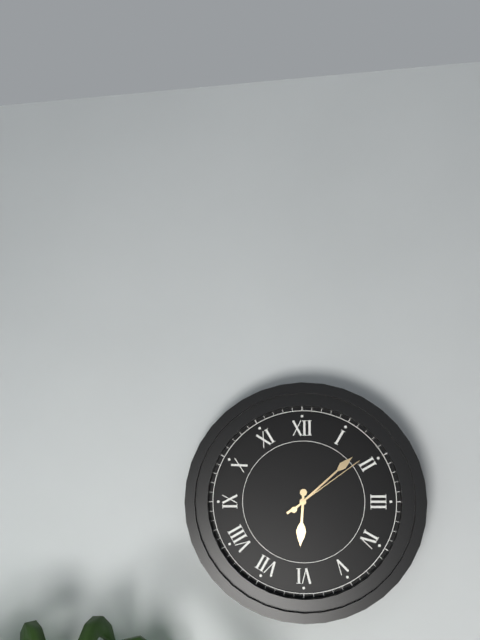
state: 6:08:09
